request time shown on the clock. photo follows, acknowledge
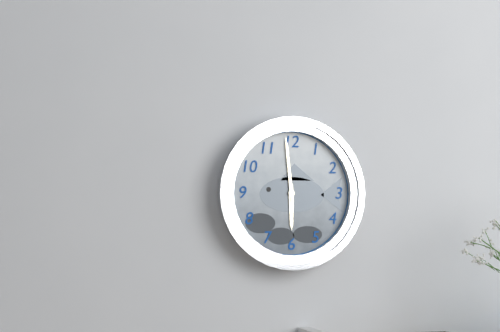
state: 5:59
